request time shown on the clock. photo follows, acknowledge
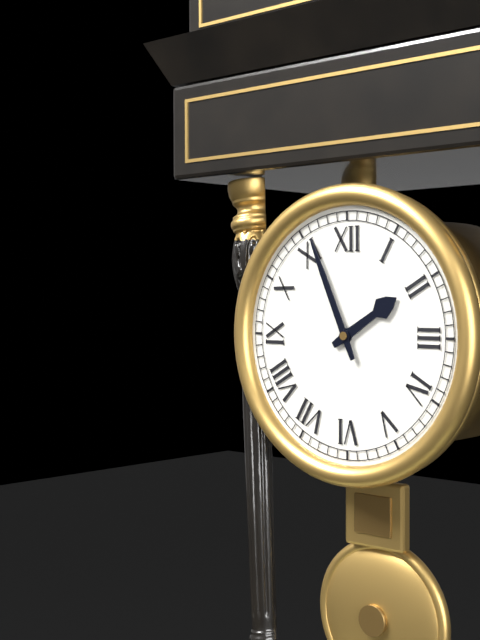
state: 1:56
